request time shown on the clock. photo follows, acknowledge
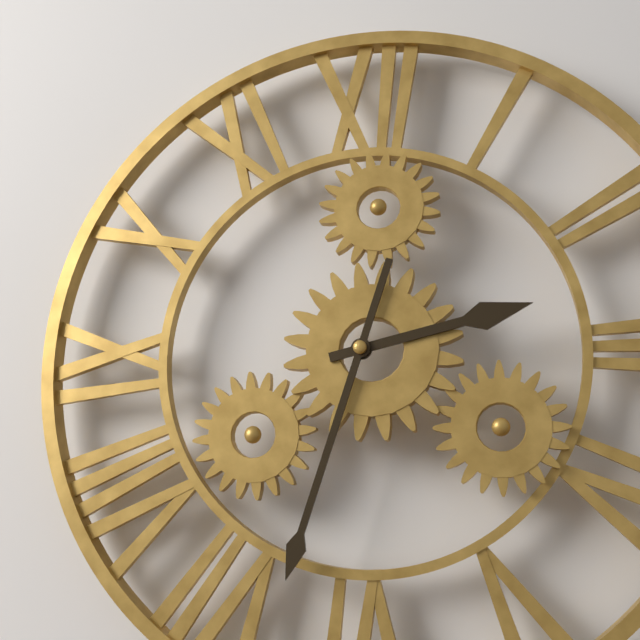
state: 2:33
